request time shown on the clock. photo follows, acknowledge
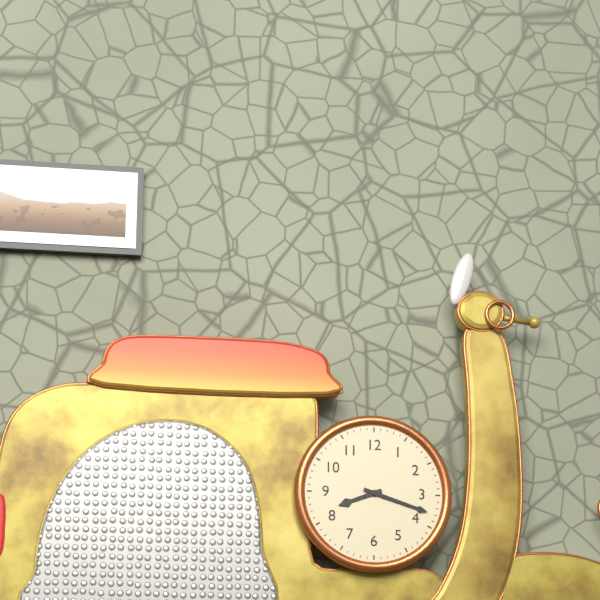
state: 8:18
